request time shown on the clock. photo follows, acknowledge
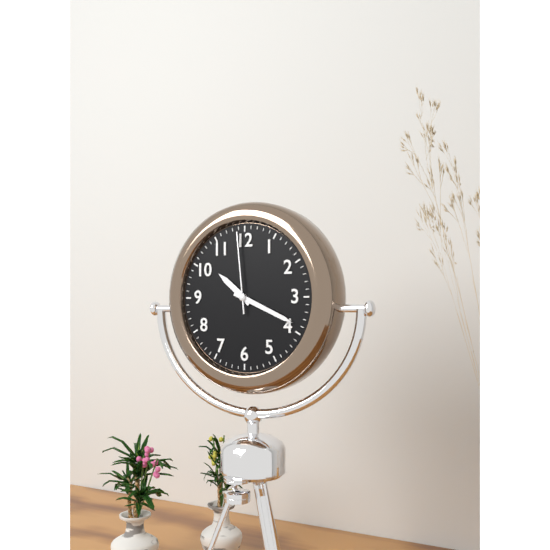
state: 10:19:59
